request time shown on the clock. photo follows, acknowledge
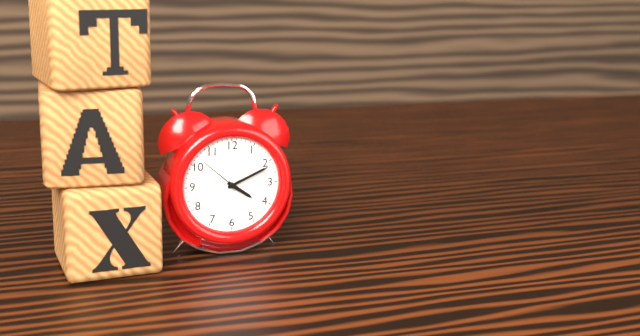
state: 4:11
